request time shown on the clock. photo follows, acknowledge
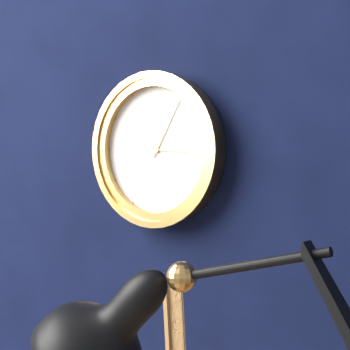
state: 3:05
